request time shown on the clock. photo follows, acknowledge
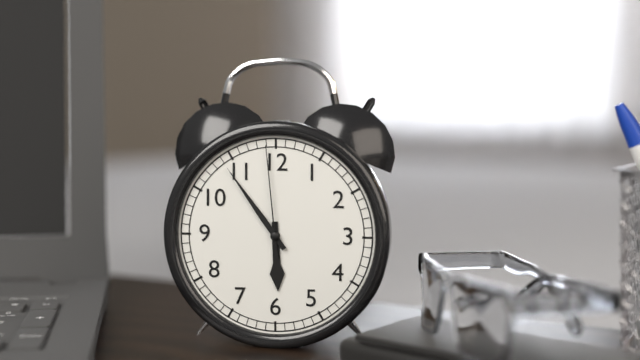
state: 5:54:59
